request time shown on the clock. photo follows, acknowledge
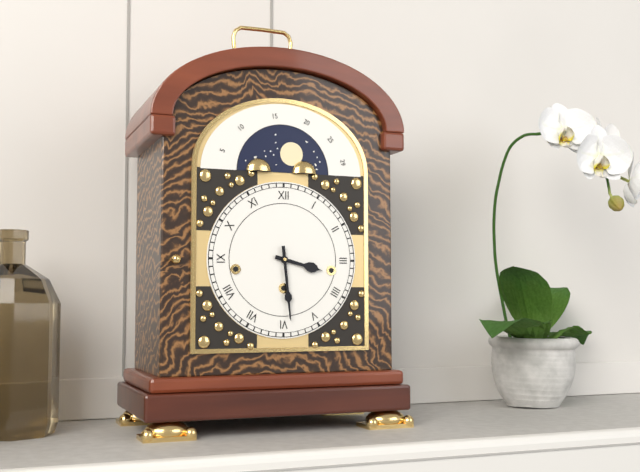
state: 3:29
